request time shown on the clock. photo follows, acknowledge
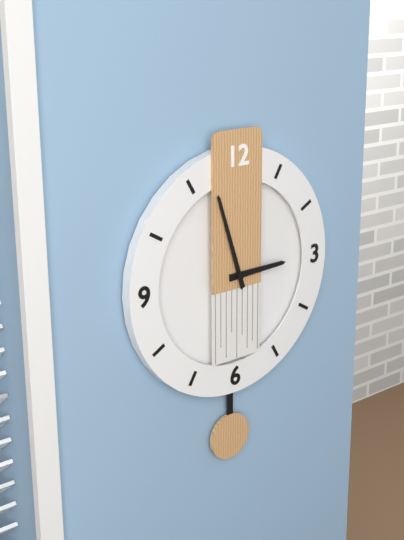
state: 2:57
